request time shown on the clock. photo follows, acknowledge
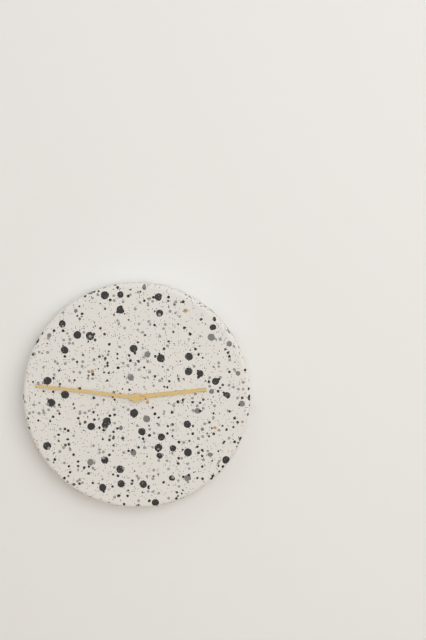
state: 2:46
